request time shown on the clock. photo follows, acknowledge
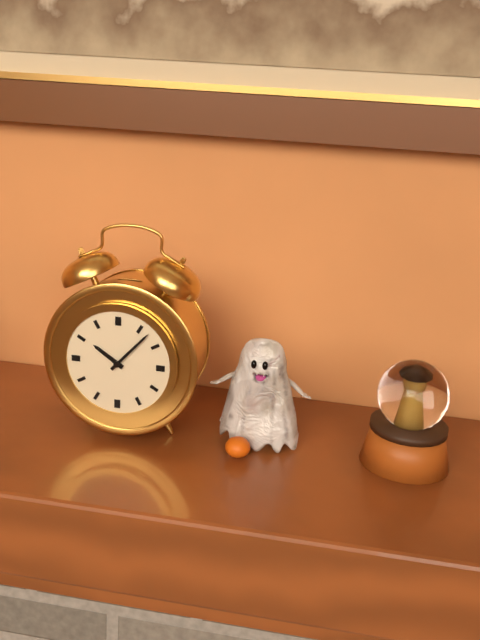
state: 10:07
